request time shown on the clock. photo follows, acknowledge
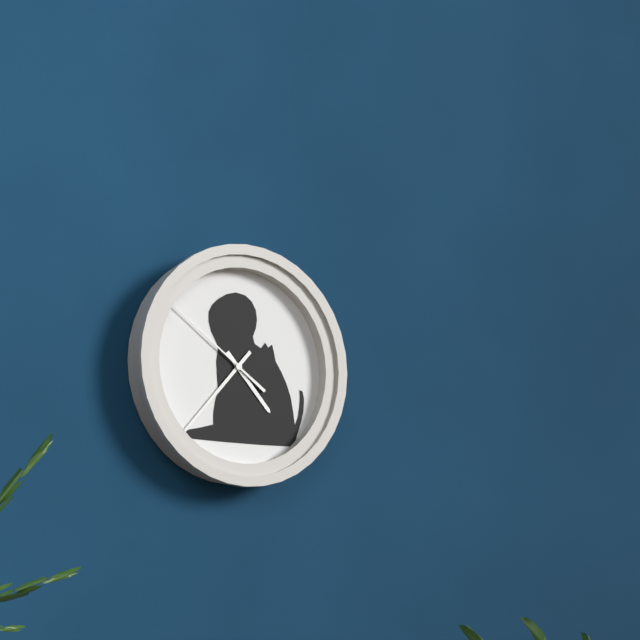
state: 4:37:51
